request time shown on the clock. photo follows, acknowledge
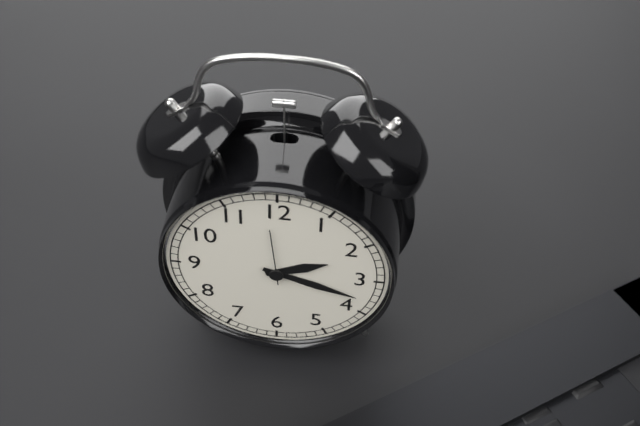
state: 2:18:59
